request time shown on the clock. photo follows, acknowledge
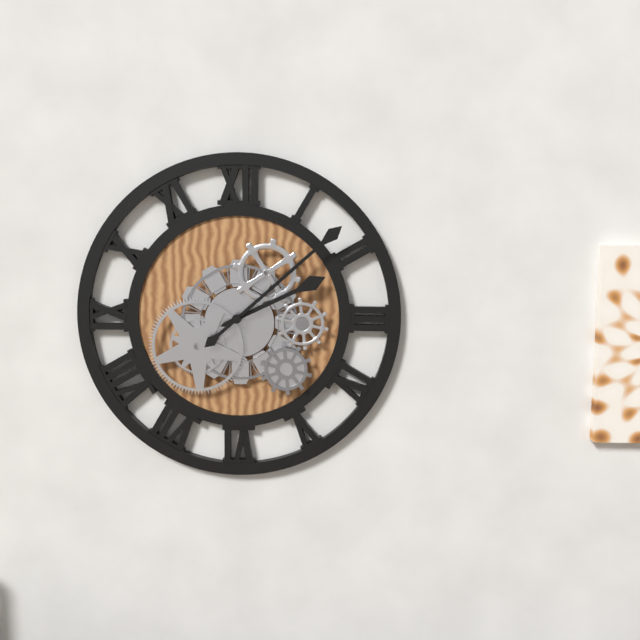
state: 2:08
